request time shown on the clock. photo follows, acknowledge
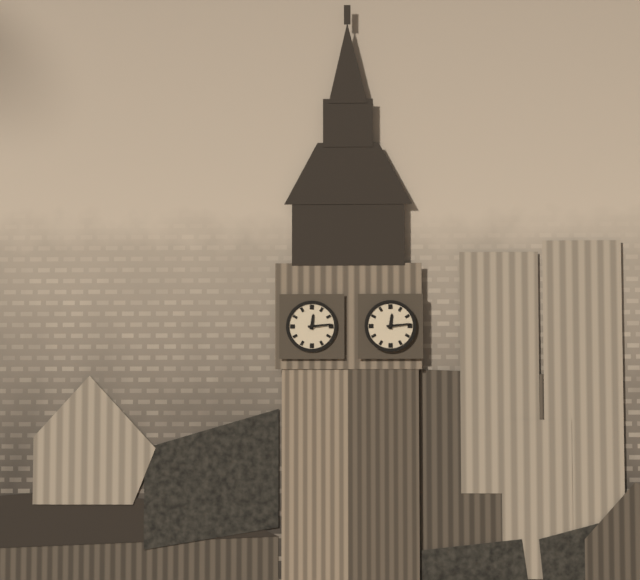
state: 12:14
